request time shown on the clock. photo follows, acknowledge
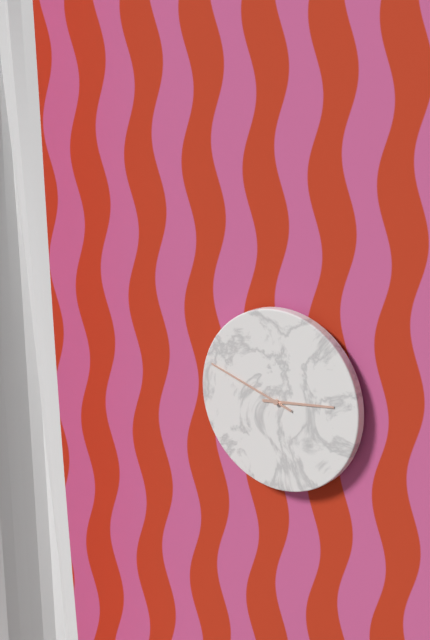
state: 2:48
